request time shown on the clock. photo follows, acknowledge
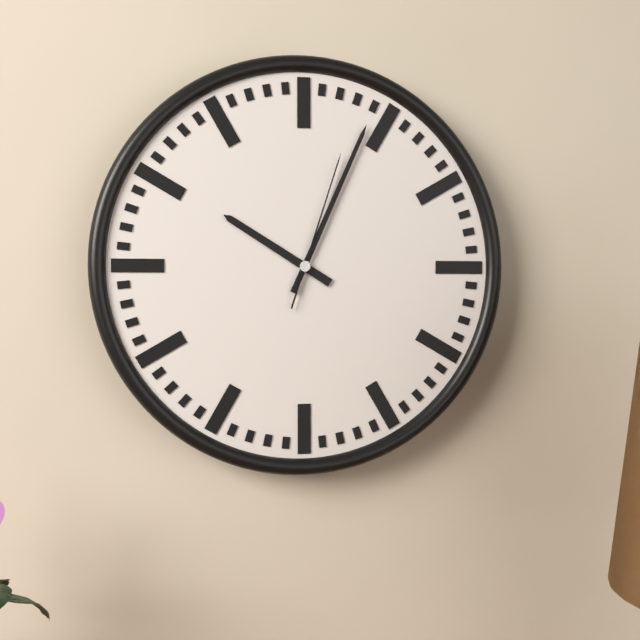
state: 10:04:03
